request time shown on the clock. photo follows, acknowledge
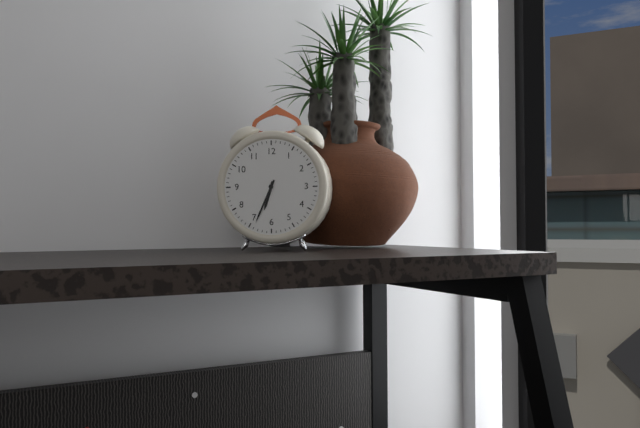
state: 6:34
